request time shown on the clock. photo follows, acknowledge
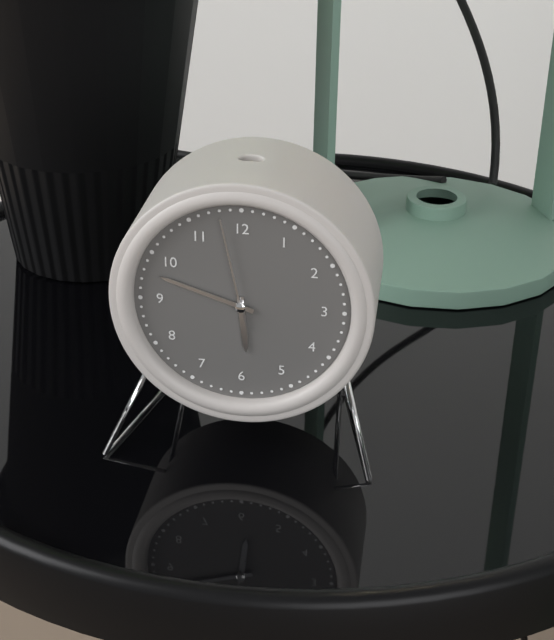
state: 5:48:58
